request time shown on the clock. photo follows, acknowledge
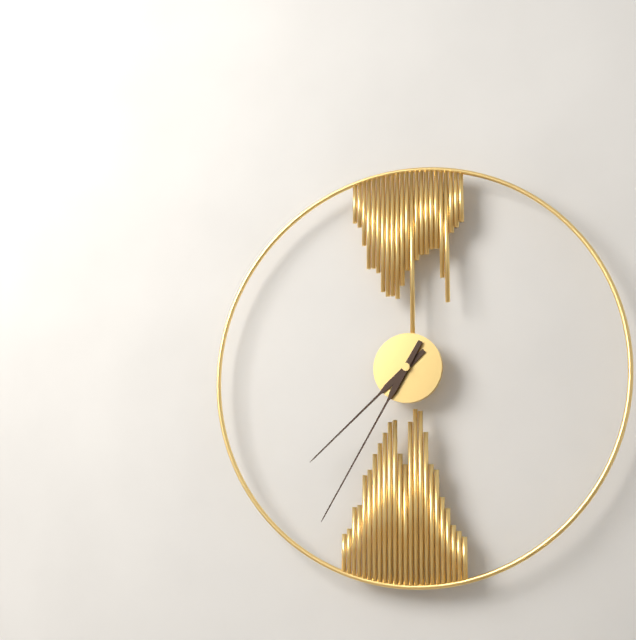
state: 7:35
